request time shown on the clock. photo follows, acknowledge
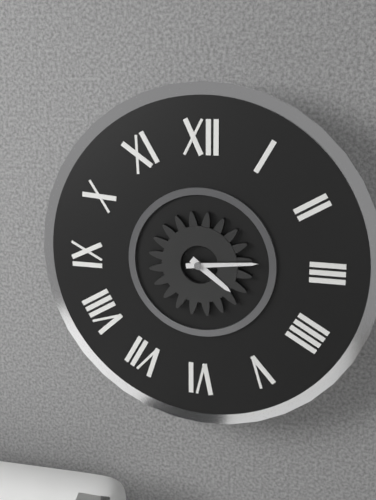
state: 4:14
